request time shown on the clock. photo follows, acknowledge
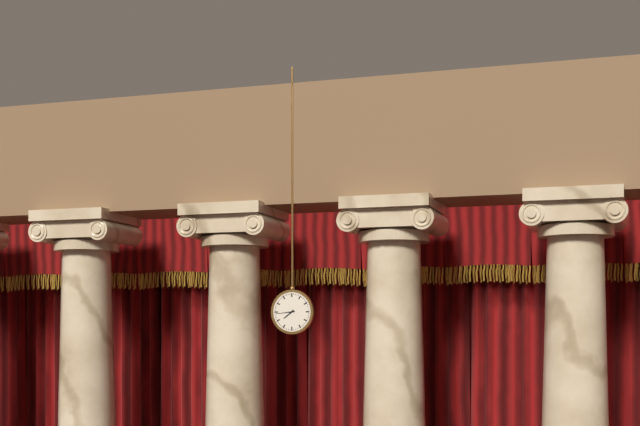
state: 7:44
